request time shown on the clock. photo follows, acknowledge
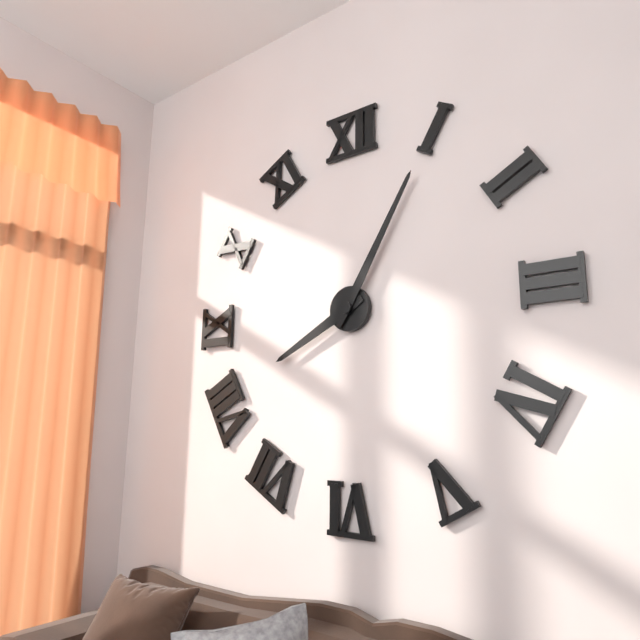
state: 8:05
